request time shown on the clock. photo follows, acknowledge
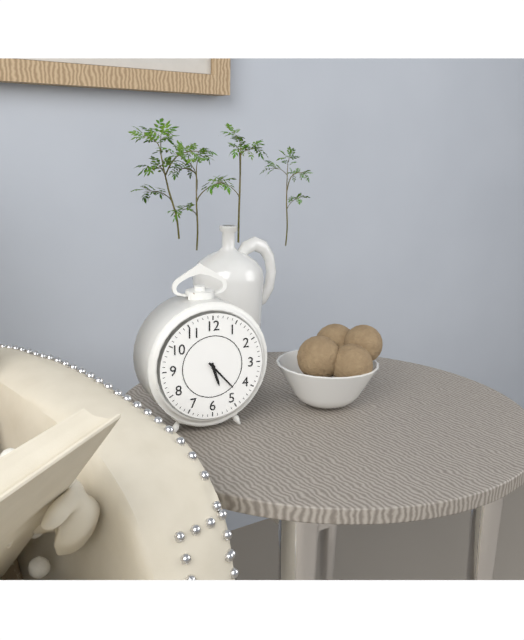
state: 5:23
